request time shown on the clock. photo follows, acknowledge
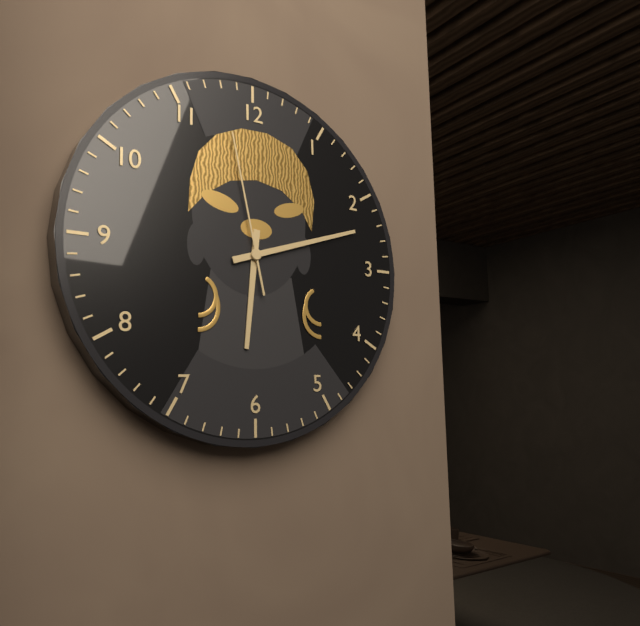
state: 6:12:58
